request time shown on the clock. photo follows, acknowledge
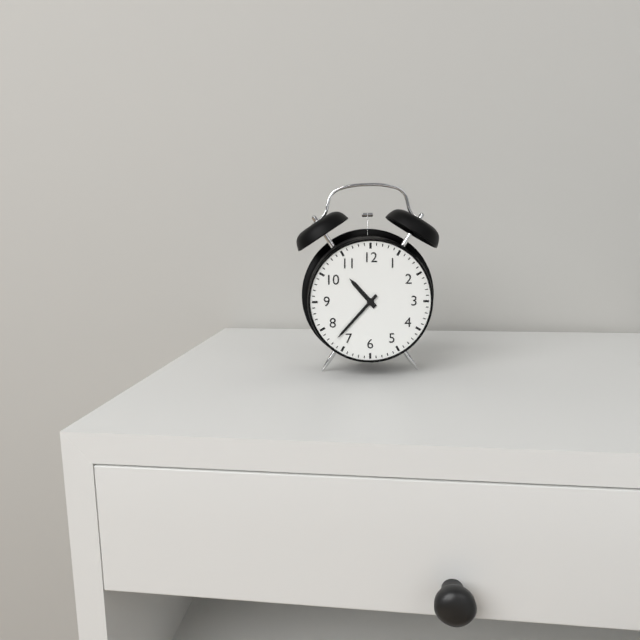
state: 10:37
